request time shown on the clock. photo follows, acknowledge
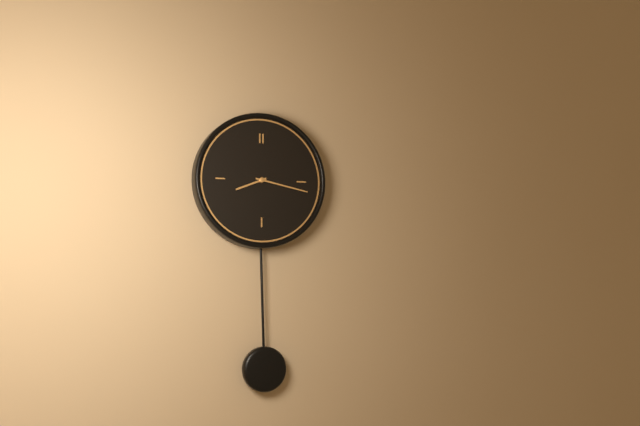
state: 8:17
